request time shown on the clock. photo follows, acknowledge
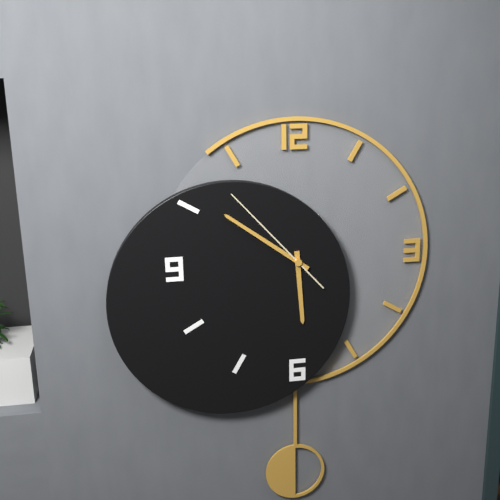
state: 5:51:53
